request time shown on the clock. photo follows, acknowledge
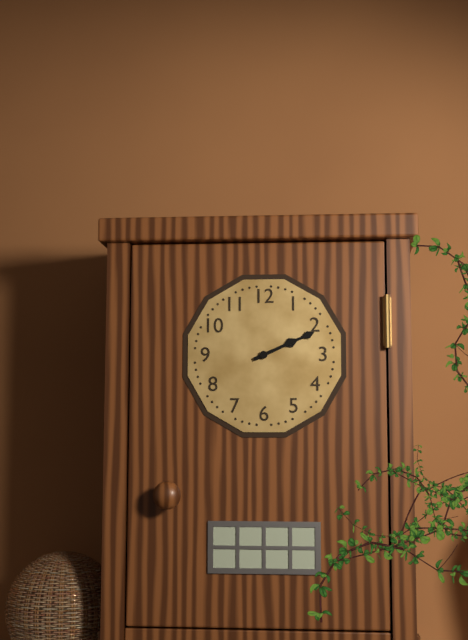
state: 2:11
